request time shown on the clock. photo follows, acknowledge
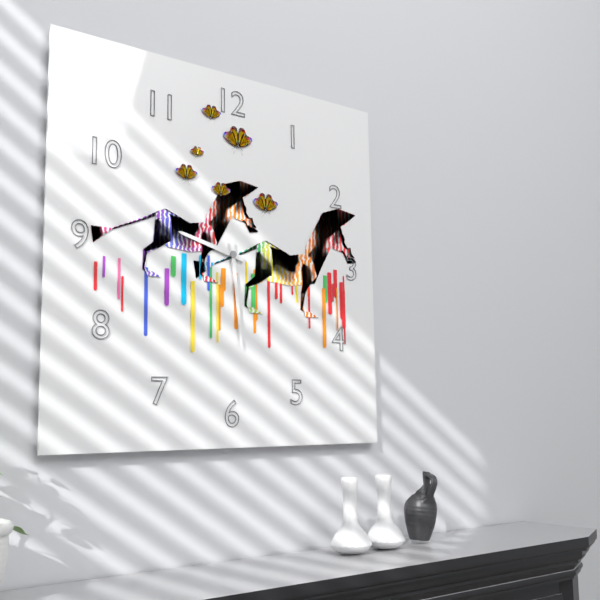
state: 9:29
